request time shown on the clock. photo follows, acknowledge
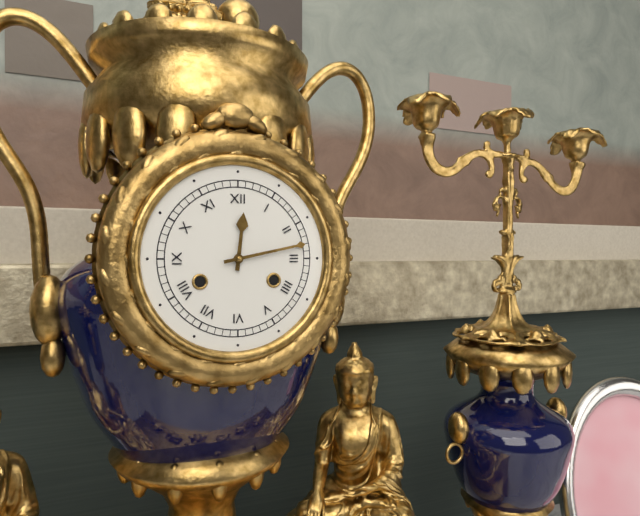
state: 12:13
